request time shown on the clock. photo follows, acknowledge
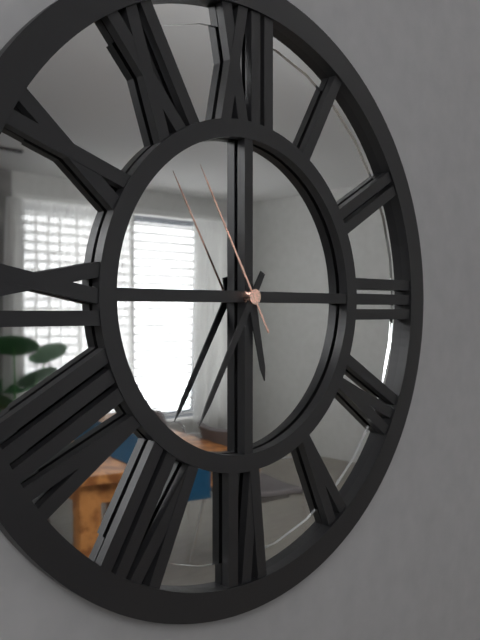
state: 5:35:55
